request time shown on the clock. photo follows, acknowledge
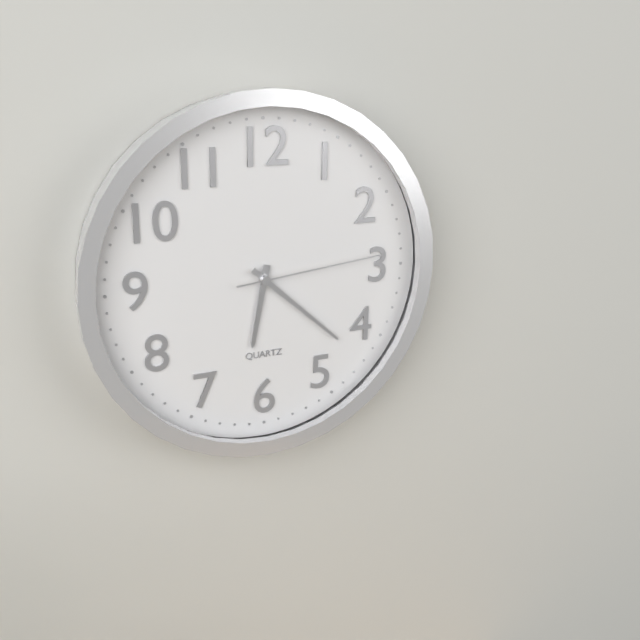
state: 6:22:14
